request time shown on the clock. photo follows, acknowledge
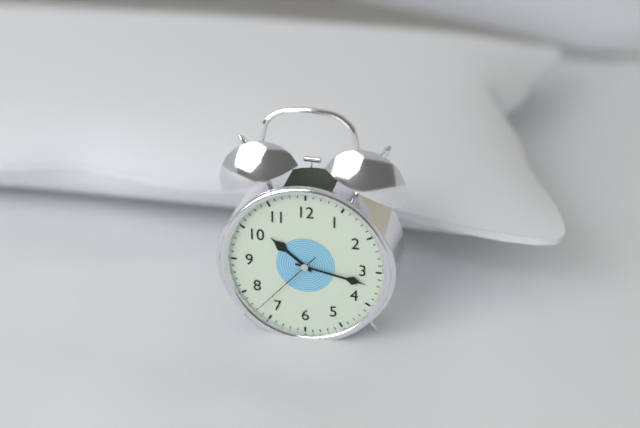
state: 10:17:37
